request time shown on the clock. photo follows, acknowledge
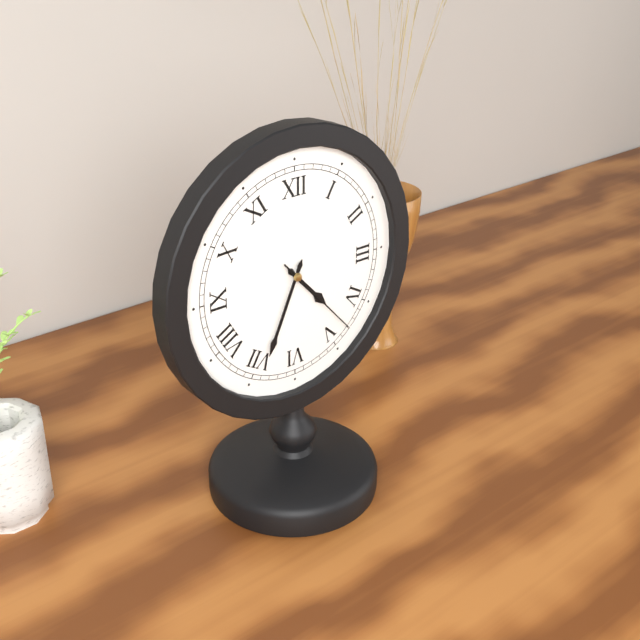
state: 4:34:23
